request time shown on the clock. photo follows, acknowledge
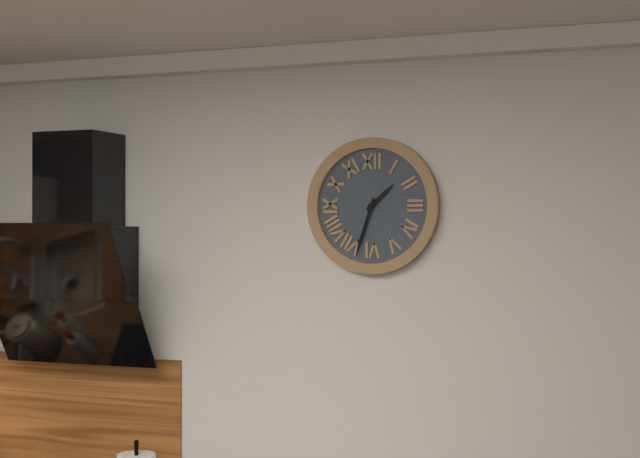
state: 1:33
